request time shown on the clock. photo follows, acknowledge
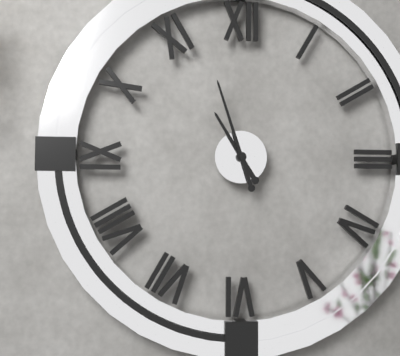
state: 10:57
